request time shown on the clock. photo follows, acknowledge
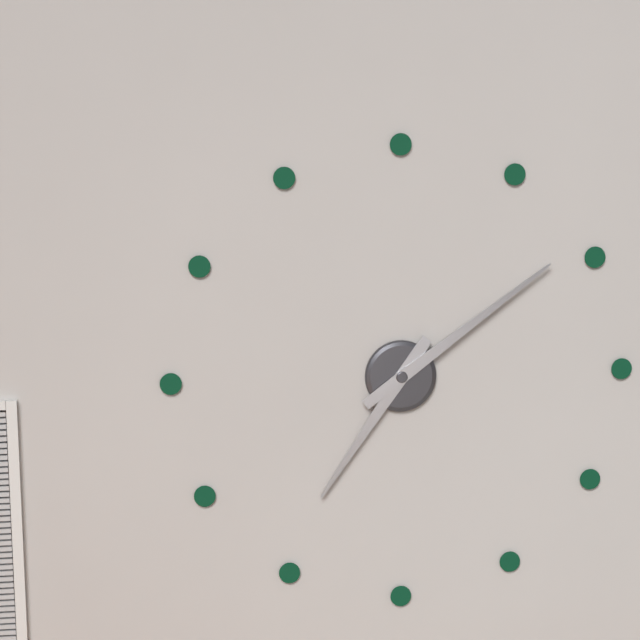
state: 7:09
